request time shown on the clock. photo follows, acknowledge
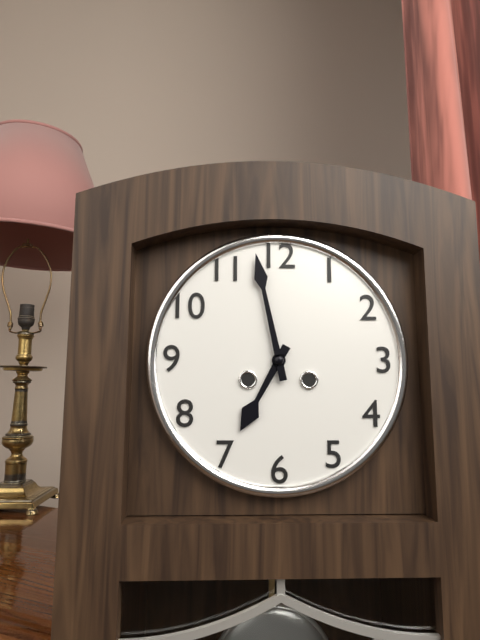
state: 6:58
